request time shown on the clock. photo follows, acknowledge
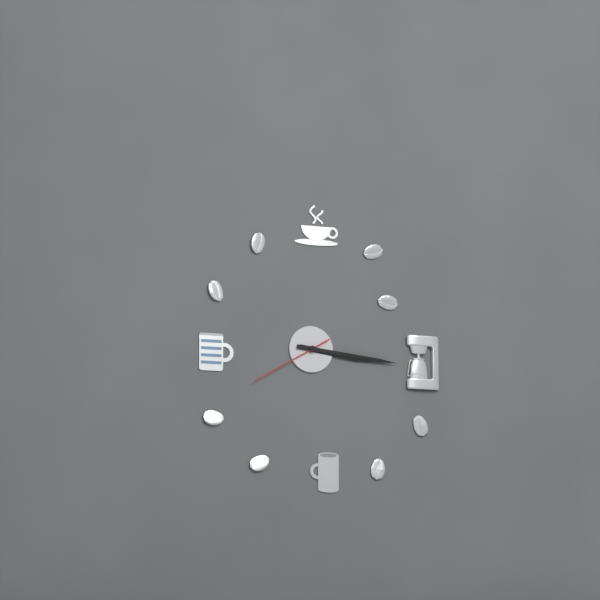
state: 3:16:40
